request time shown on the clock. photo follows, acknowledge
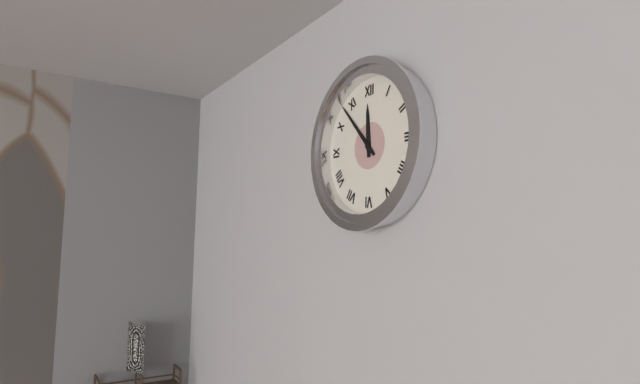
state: 11:53
